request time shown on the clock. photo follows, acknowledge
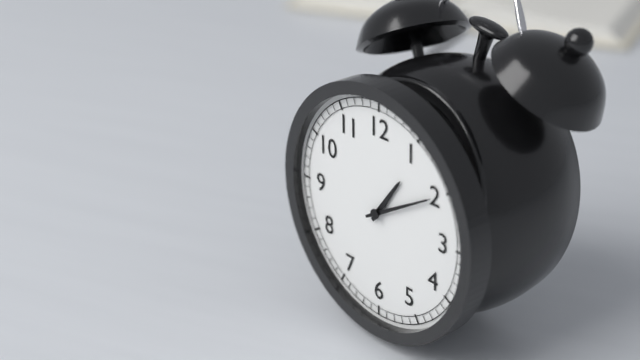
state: 1:10
